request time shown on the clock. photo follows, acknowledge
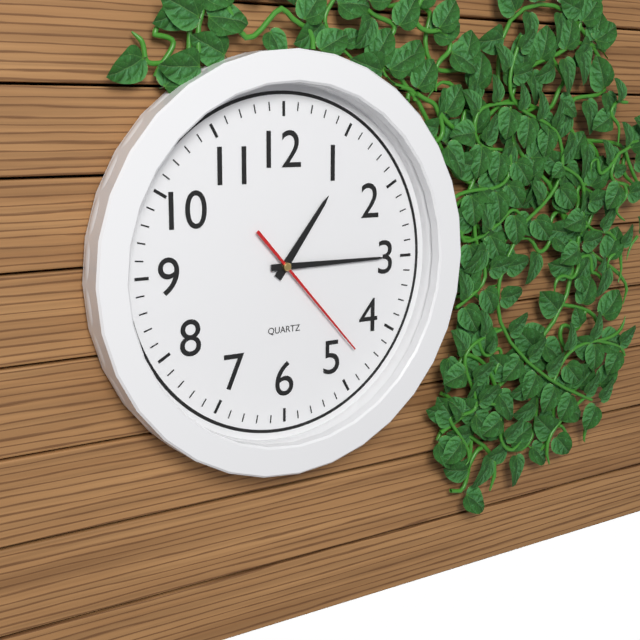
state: 1:15:23
